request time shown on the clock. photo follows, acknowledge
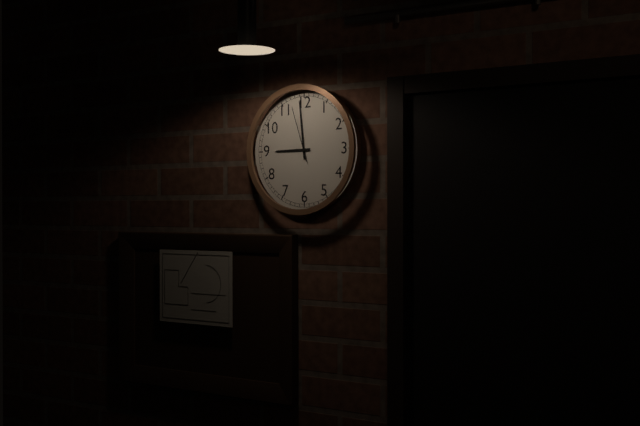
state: 8:59:57
